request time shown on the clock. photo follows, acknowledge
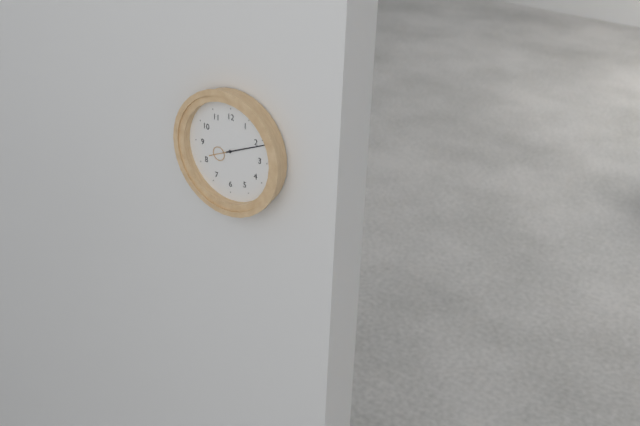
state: 8:11
